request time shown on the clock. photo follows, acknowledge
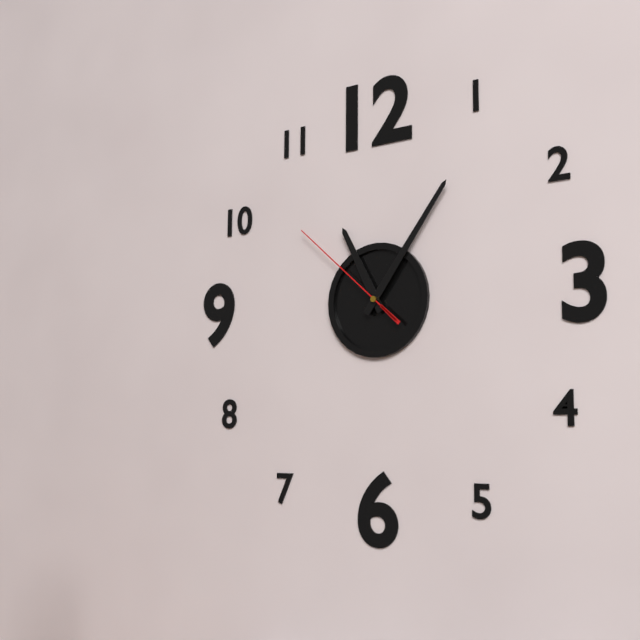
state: 11:06:52
